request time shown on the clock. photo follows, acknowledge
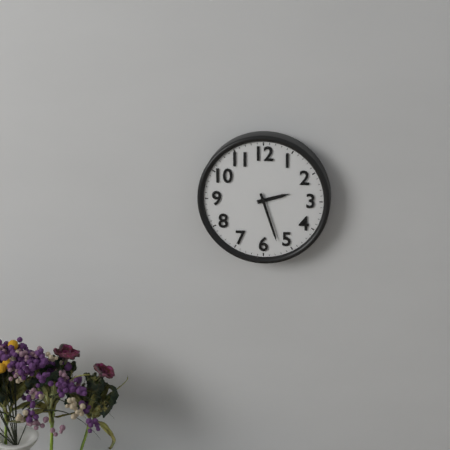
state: 2:27
